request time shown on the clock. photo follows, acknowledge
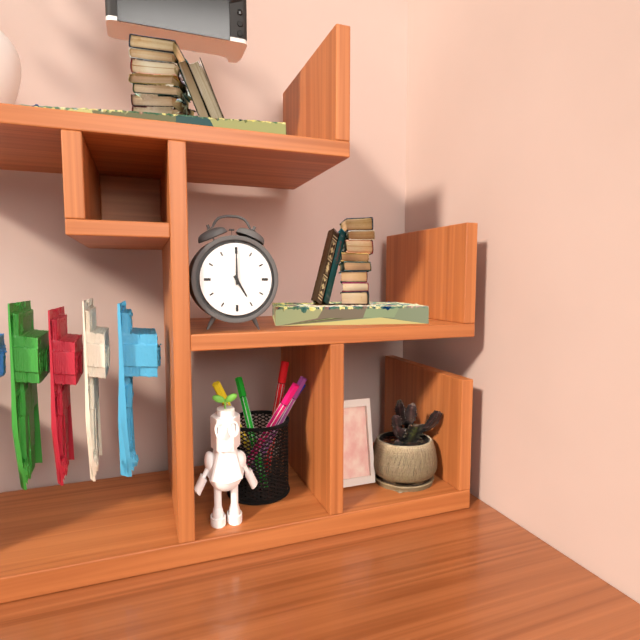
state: 5:00
